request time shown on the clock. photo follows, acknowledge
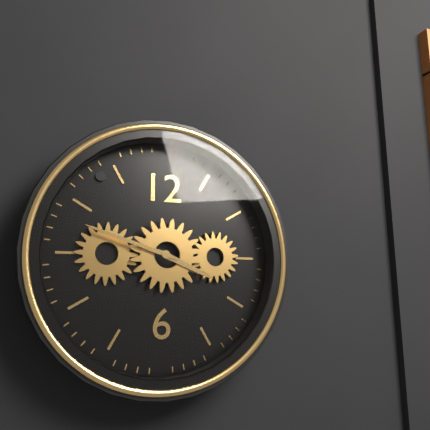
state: 3:48
